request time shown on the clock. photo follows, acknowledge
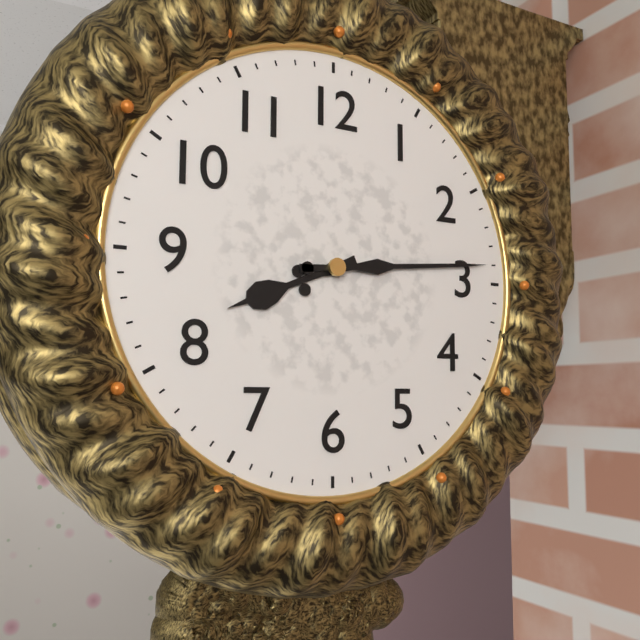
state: 8:14
